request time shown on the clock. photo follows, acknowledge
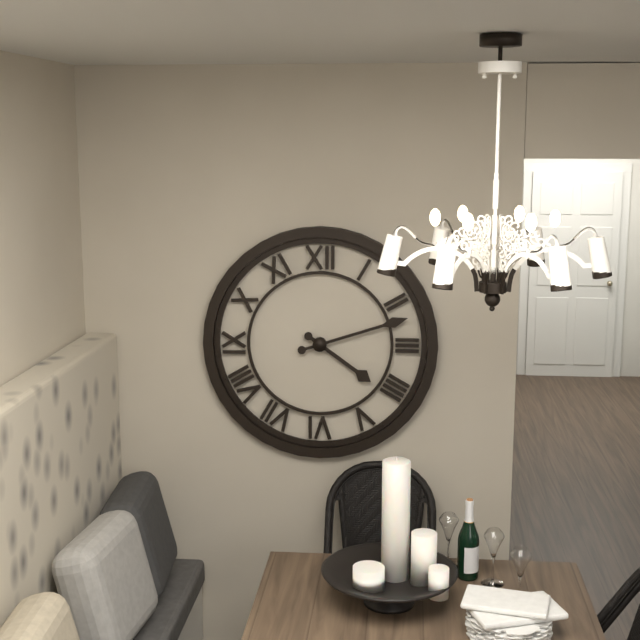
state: 4:12
